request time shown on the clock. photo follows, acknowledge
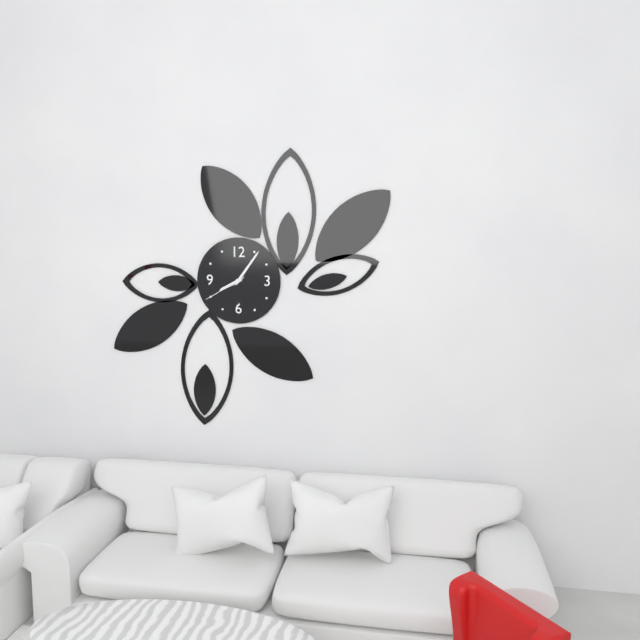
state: 8:06
